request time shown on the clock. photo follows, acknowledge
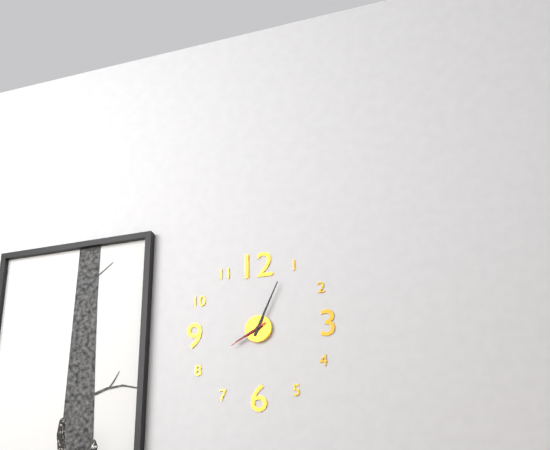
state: 8:04
